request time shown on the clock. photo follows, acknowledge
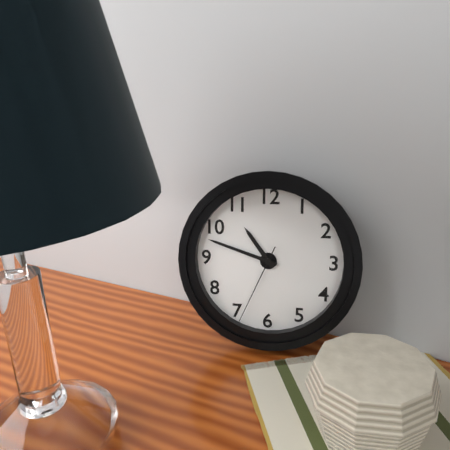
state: 10:48:34
